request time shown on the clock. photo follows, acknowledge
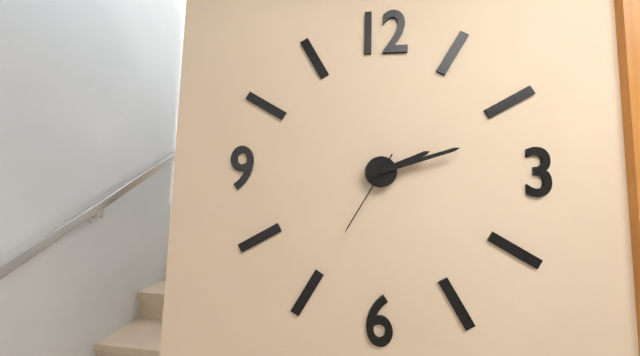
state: 2:12:35
